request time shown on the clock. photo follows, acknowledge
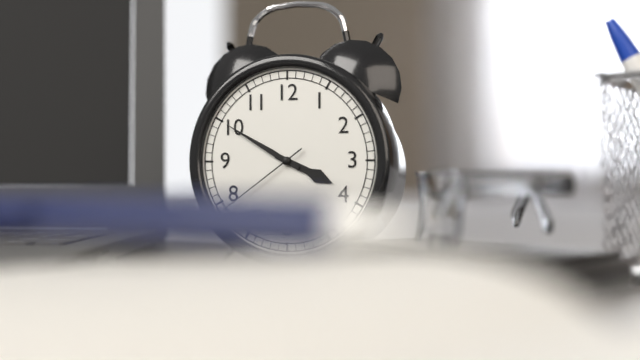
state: 3:50
